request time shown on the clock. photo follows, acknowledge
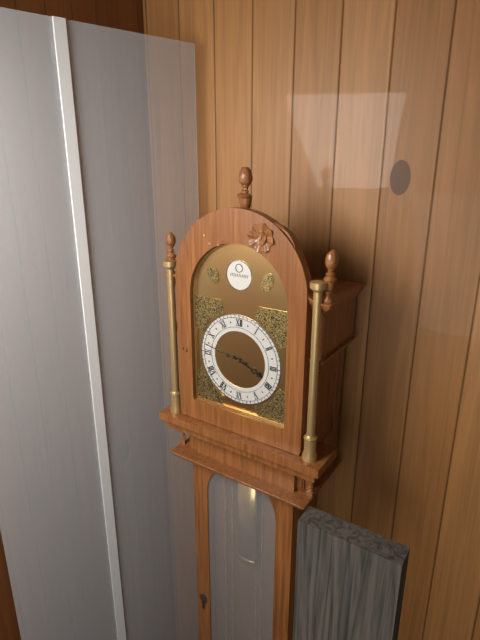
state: 3:47
